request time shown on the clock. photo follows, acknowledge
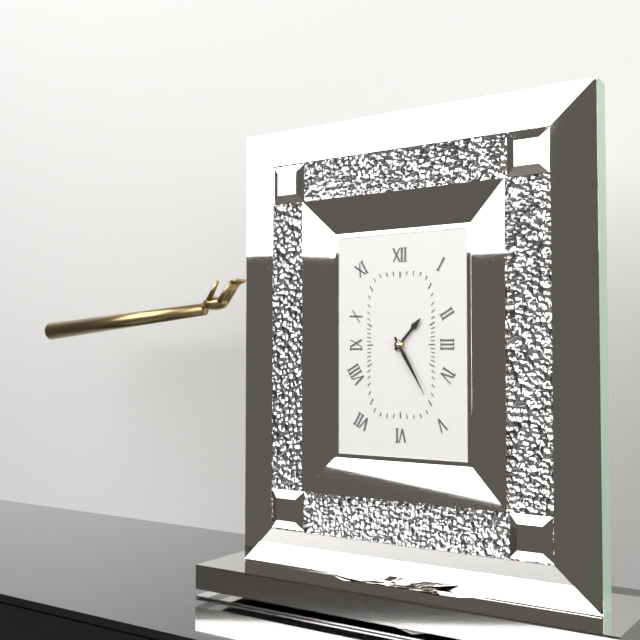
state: 1:25
